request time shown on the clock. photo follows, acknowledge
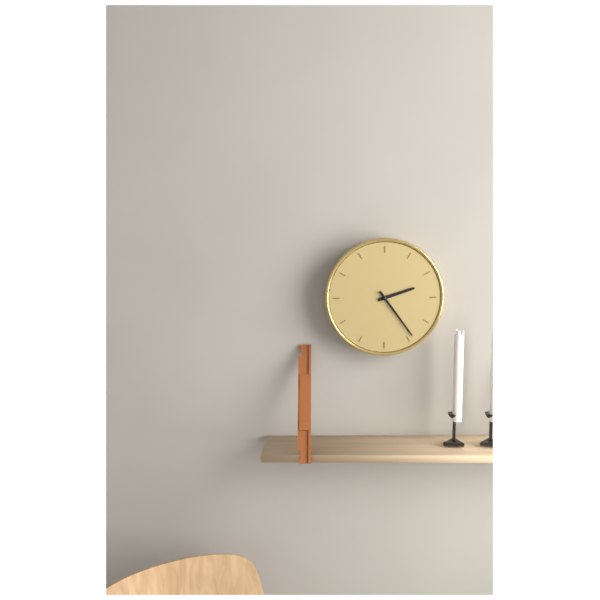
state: 2:24
